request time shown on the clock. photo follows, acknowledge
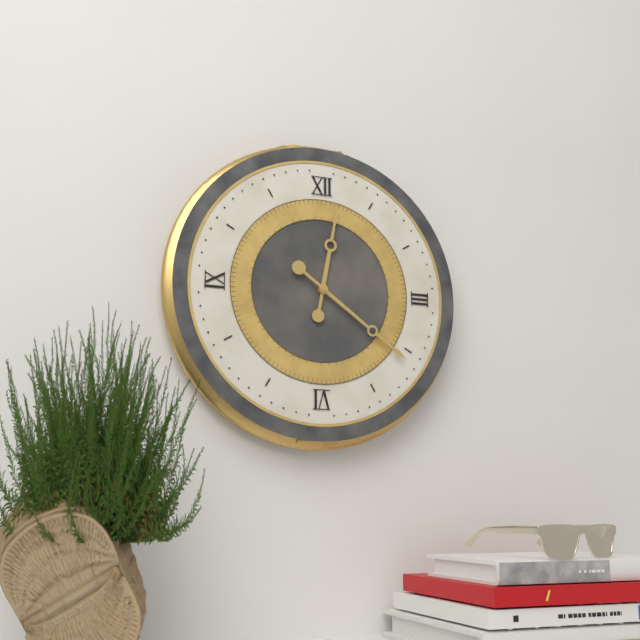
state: 12:21
